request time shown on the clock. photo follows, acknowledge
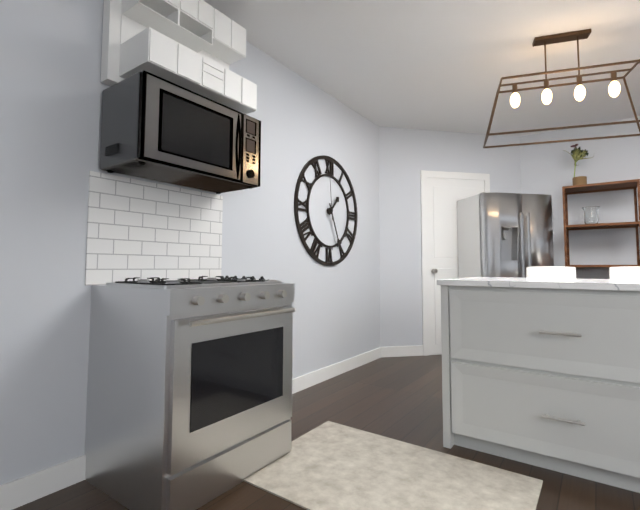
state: 1:26
